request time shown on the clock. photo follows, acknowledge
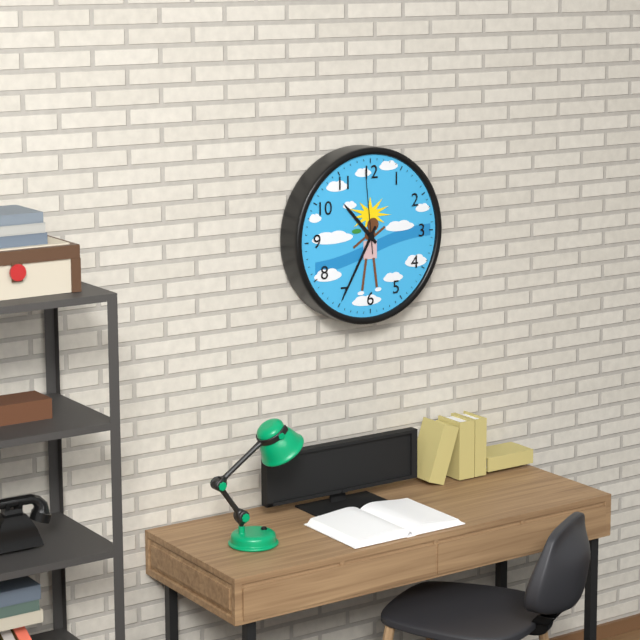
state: 10:35:59
